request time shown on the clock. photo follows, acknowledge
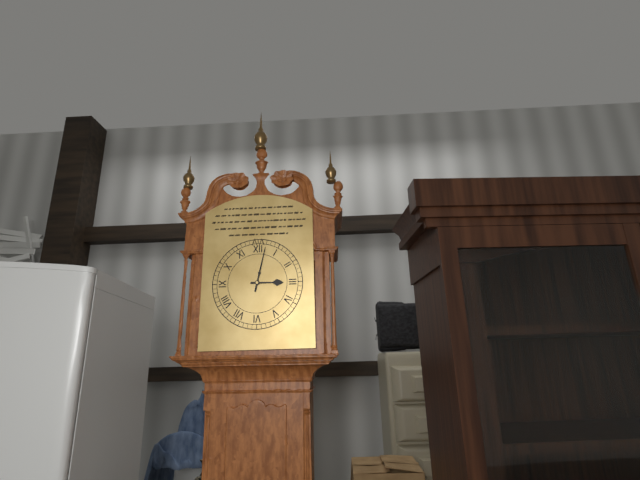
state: 3:02
